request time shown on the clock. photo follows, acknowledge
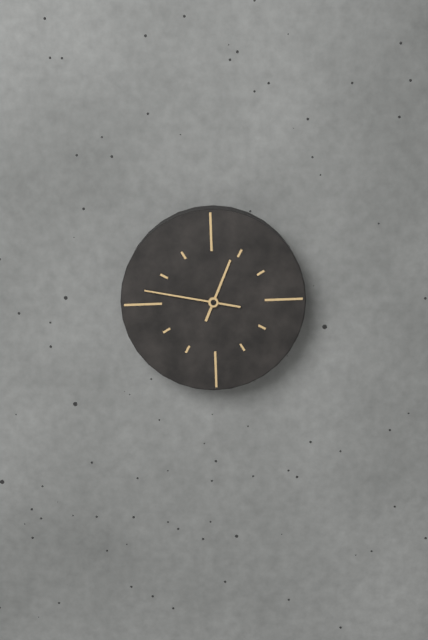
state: 12:47
